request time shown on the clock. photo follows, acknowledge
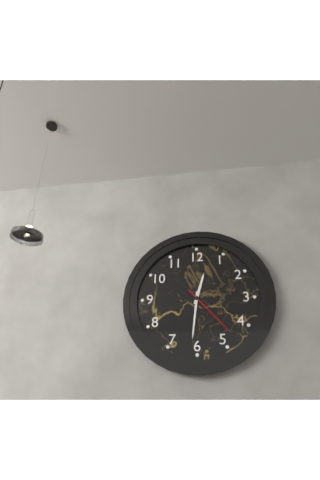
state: 12:31:23
